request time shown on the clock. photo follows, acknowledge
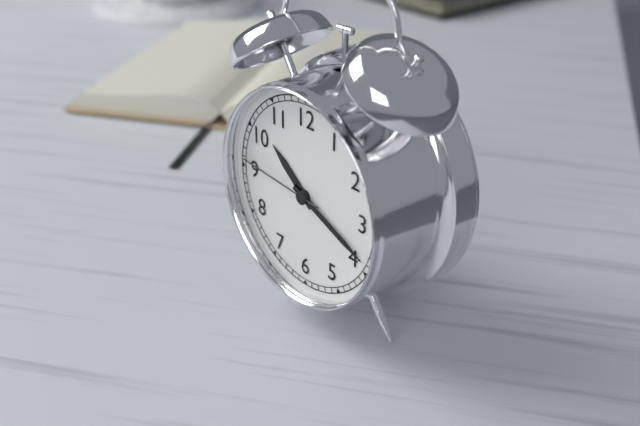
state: 10:19:46
